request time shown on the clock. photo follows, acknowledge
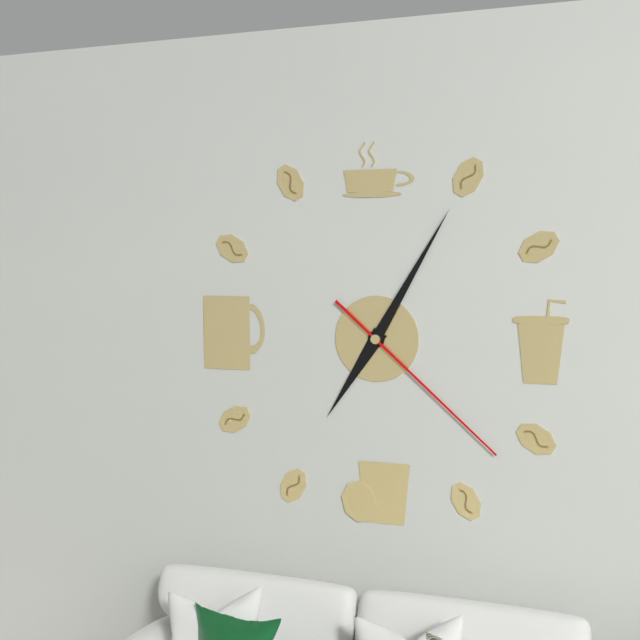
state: 7:05:22
